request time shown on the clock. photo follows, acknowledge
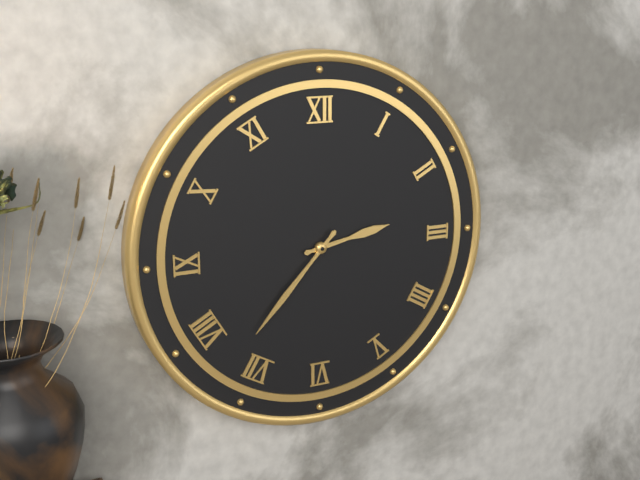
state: 2:37
